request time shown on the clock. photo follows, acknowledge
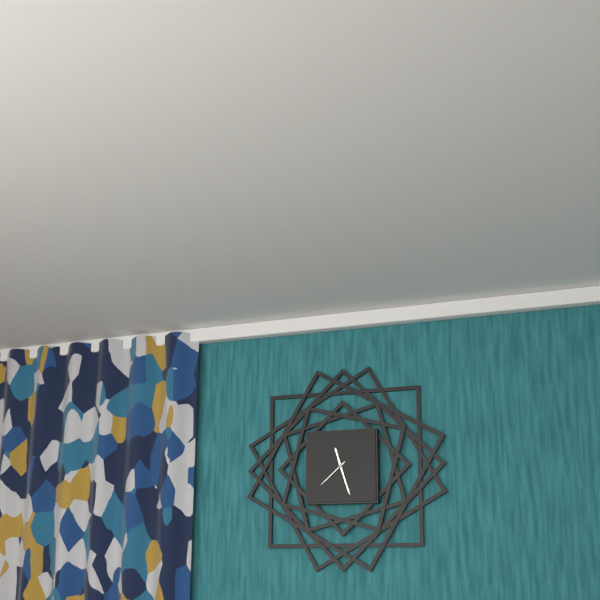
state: 11:27
